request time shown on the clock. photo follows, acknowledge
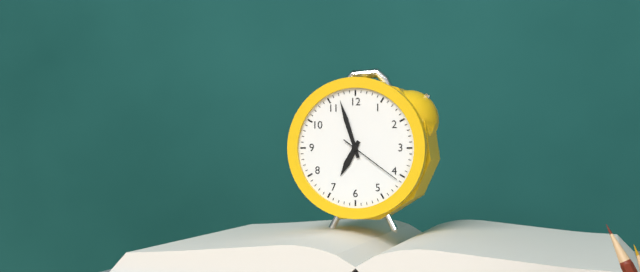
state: 6:57:21
